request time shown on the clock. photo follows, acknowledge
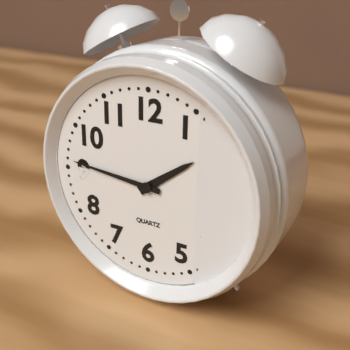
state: 1:46
